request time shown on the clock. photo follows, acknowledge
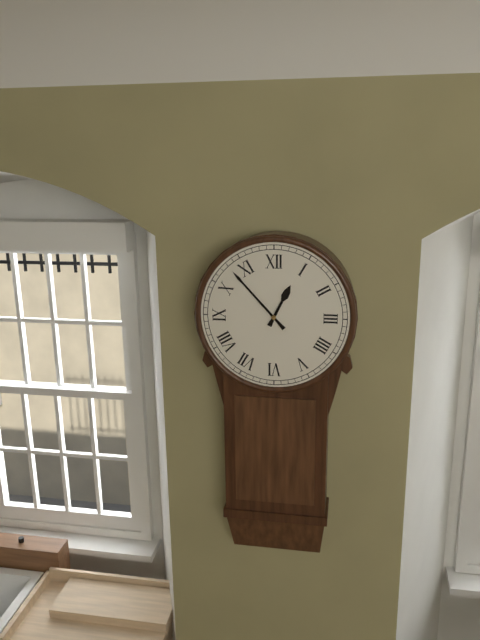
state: 12:53
